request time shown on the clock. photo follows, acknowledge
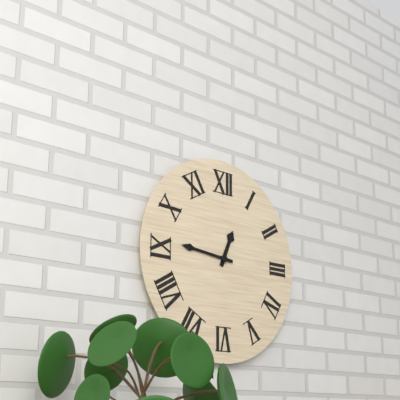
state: 12:46
